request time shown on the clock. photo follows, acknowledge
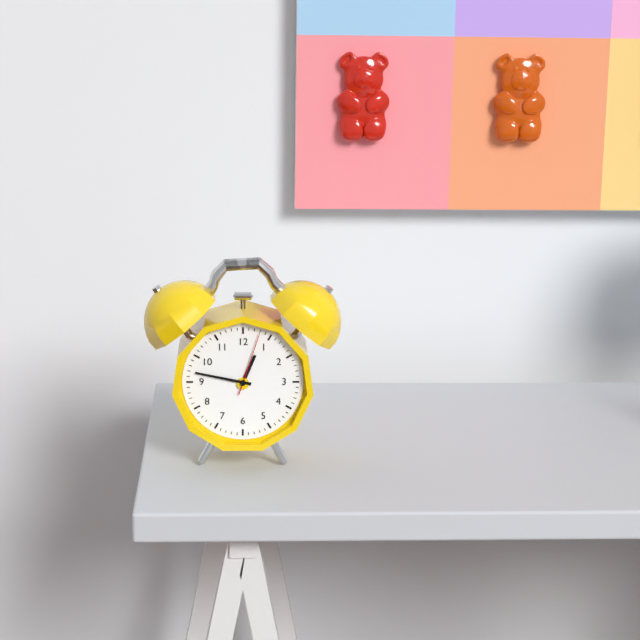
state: 12:47:03
